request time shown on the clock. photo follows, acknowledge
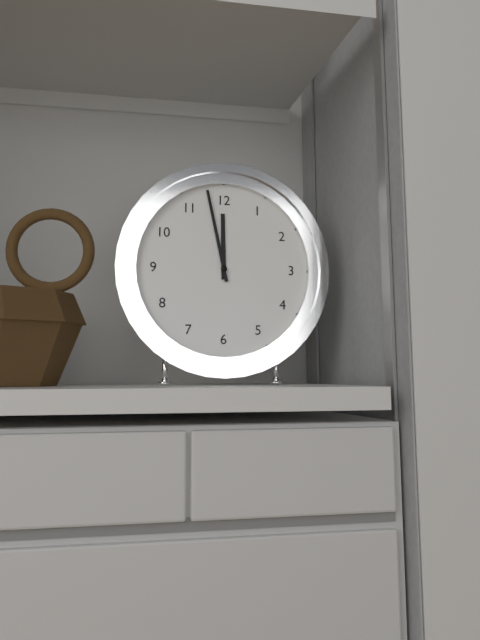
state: 11:58
